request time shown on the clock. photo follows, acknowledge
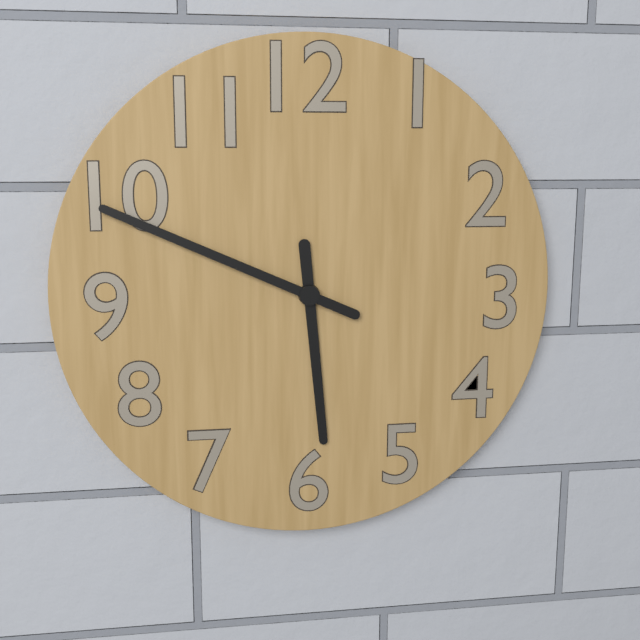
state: 5:49
